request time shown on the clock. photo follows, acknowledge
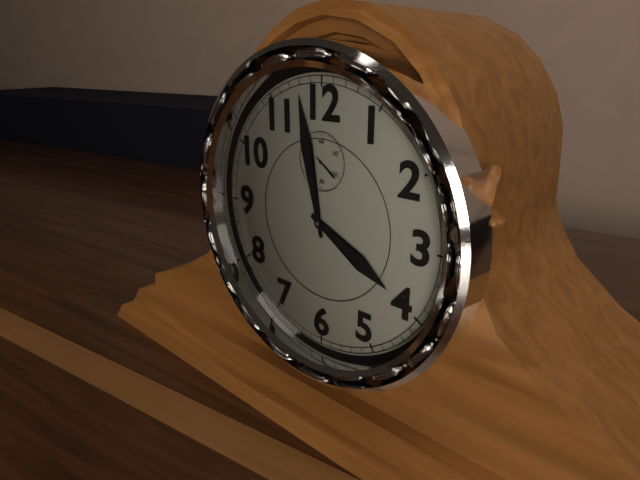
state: 3:58
